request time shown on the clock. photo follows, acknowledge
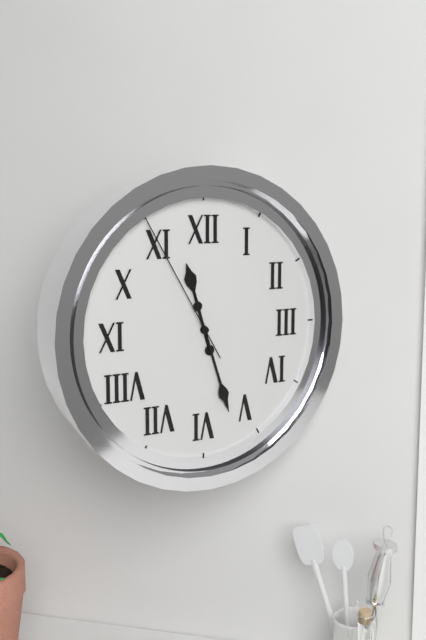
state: 11:27:55
